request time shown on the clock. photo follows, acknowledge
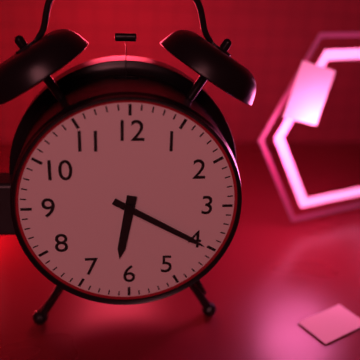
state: 6:20
